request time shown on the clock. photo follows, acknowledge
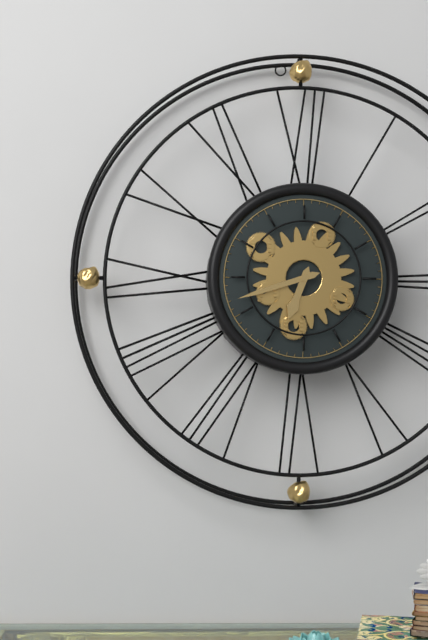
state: 6:42
